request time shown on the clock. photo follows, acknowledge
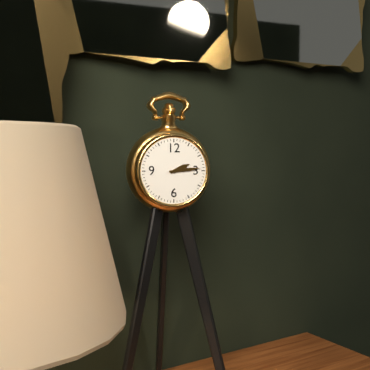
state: 2:14
